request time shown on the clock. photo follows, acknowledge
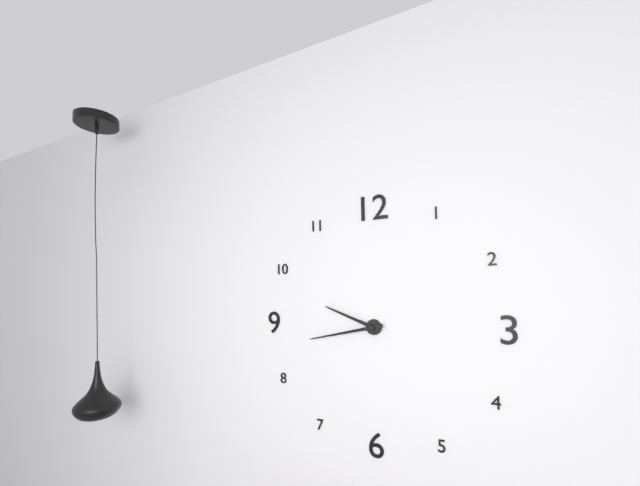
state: 9:43
